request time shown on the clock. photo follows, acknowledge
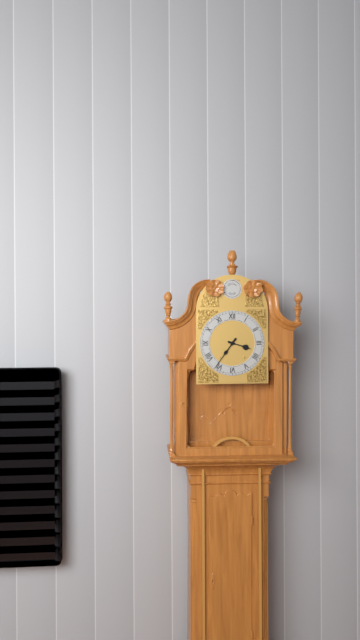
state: 3:36
